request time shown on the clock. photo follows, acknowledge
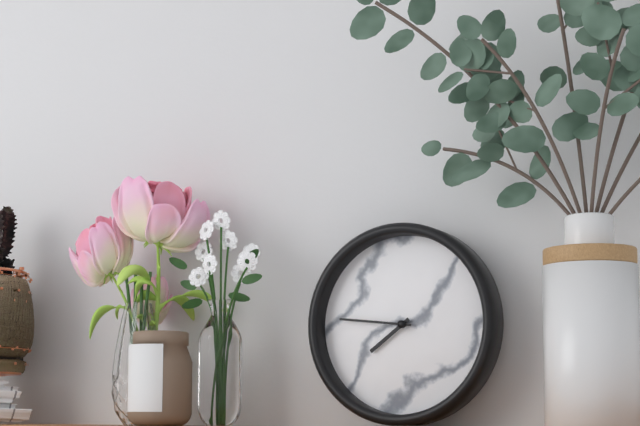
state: 7:46
